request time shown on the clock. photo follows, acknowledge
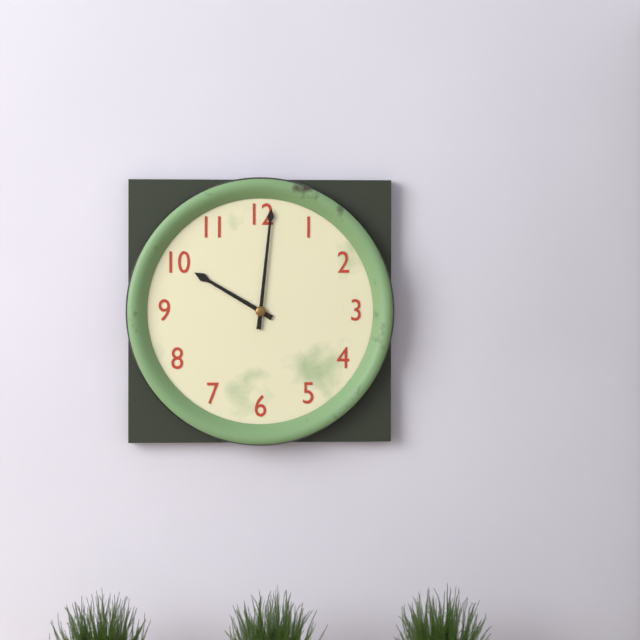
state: 10:01
